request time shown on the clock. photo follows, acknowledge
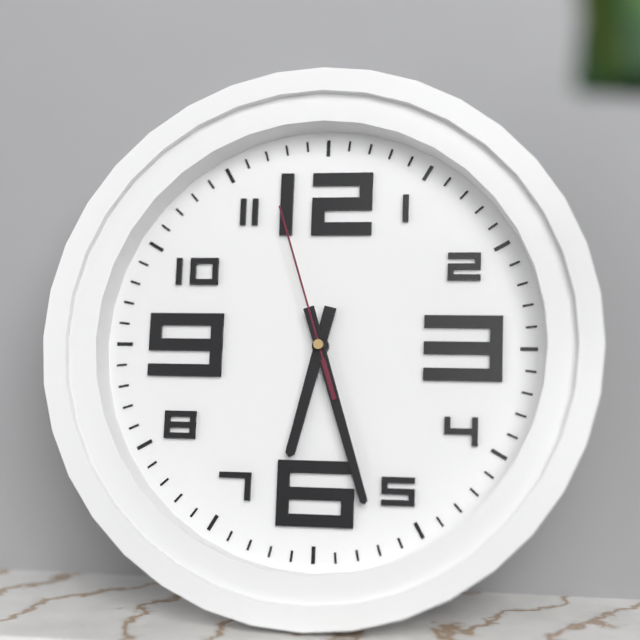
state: 6:27:57
